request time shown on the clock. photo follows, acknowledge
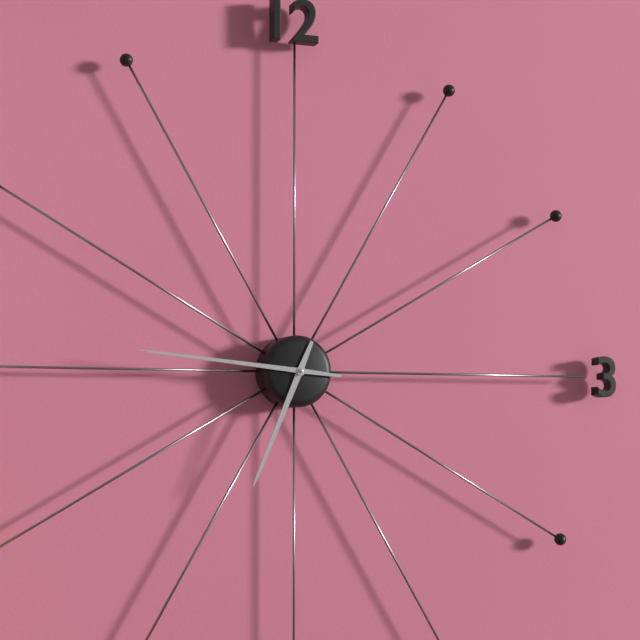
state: 6:46
